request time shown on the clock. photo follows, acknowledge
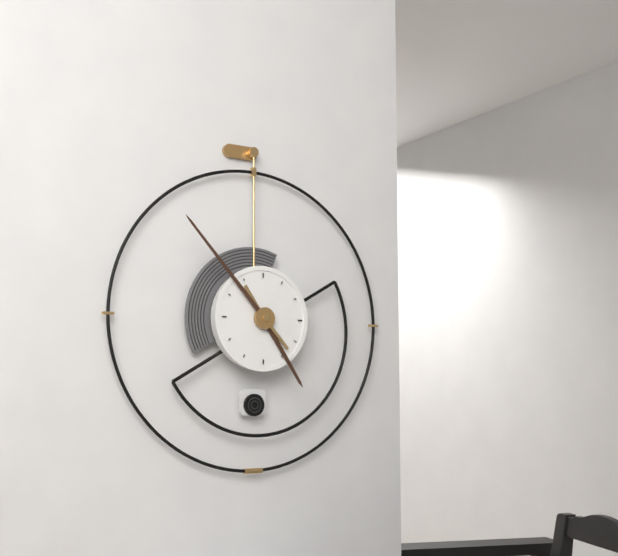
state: 4:53
